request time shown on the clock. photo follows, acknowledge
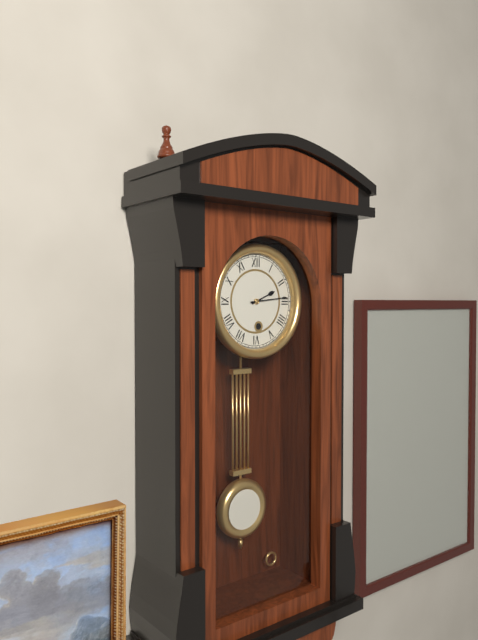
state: 2:14
